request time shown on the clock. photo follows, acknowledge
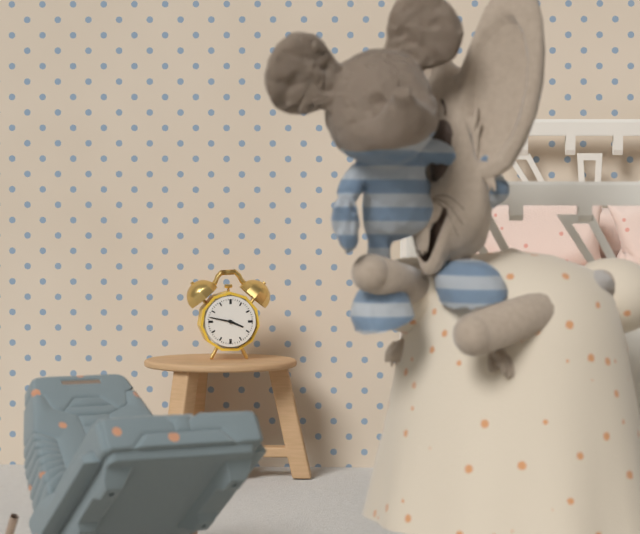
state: 3:47
